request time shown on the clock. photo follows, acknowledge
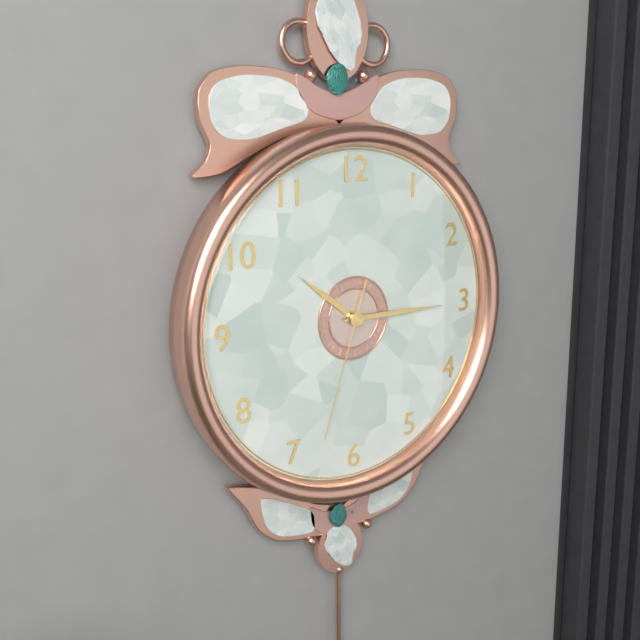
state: 10:15:33
